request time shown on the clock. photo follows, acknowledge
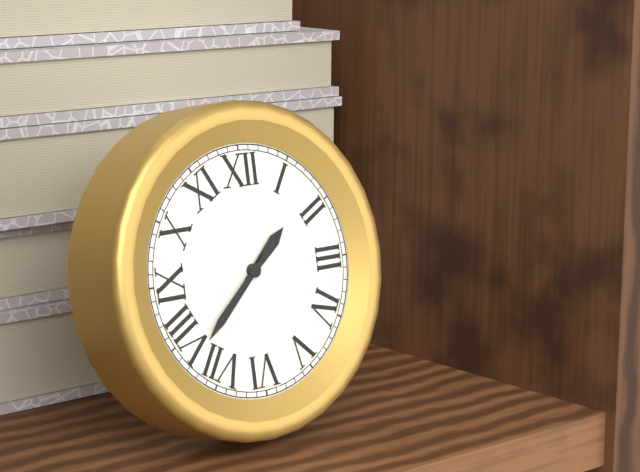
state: 1:38
